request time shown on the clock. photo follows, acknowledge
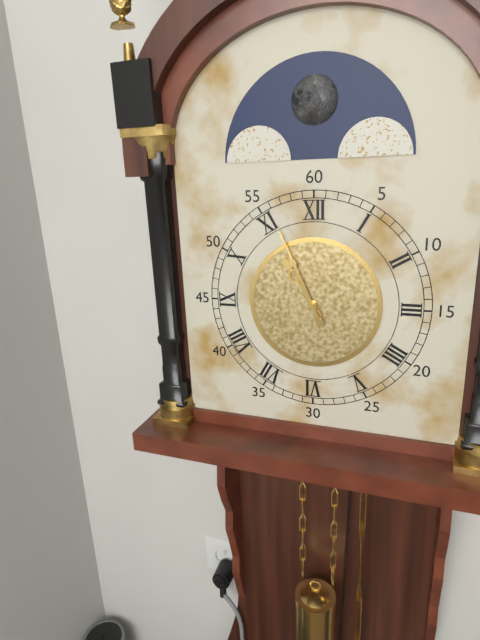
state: 10:56
